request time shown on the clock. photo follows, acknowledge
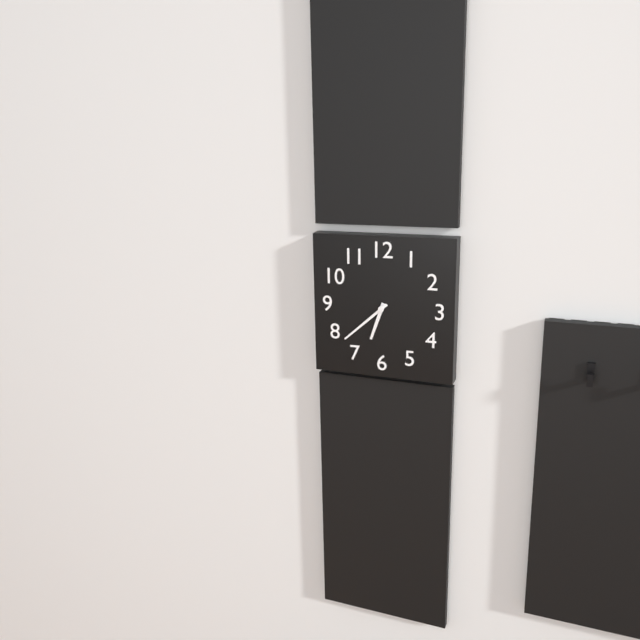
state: 6:38
